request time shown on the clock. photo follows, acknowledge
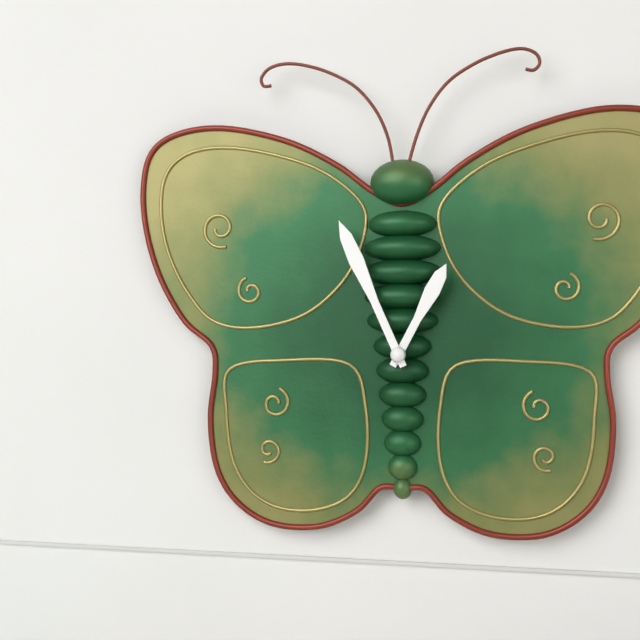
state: 12:56
